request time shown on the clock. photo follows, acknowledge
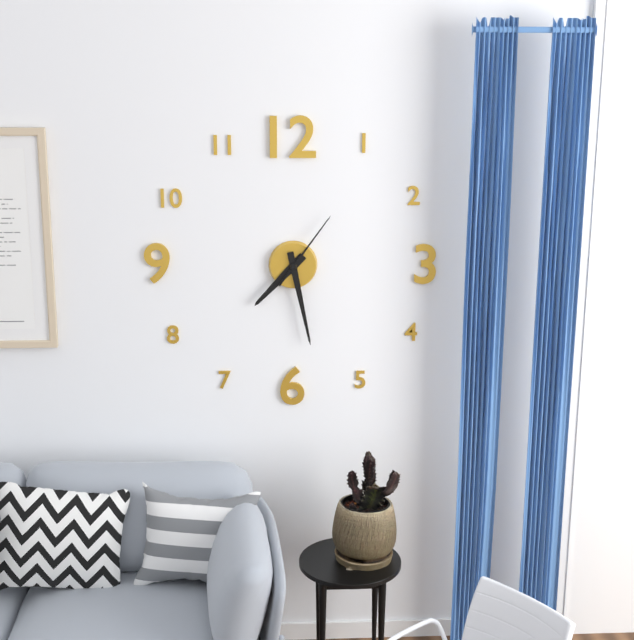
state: 7:28:06
